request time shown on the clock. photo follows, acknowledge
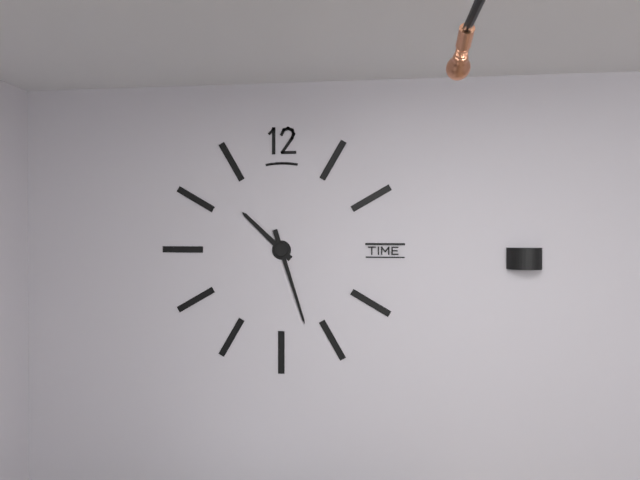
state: 10:27
